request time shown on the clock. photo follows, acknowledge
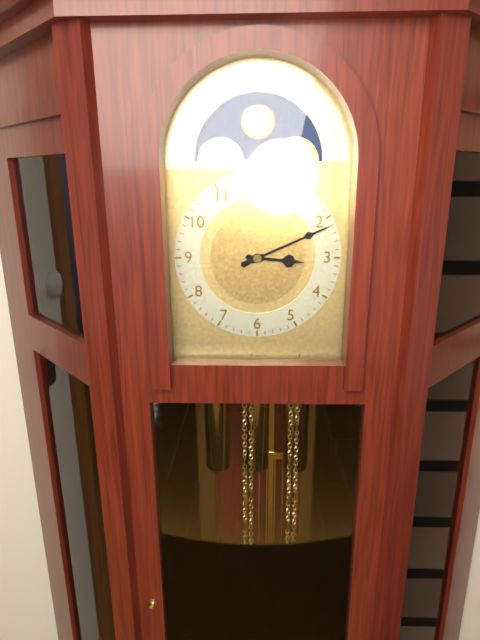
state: 3:11
